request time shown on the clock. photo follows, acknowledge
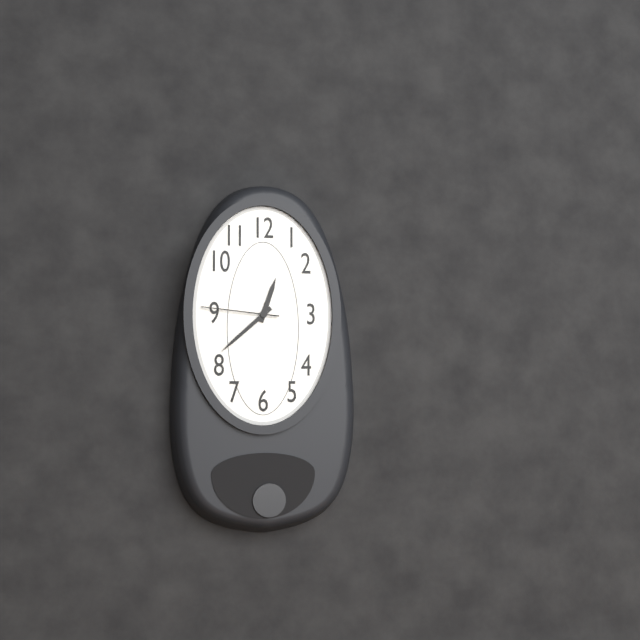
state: 12:38:46
